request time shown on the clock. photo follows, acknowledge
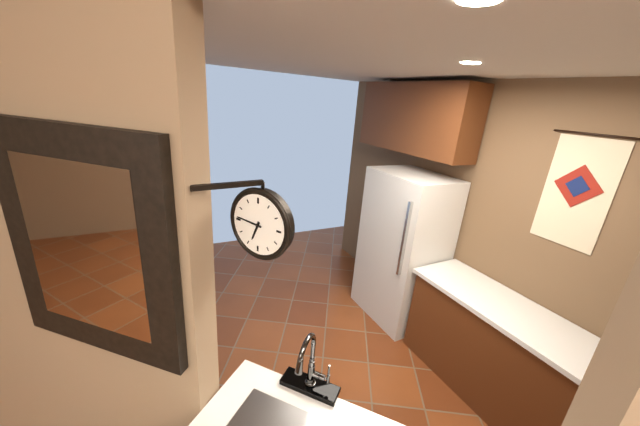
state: 6:46
